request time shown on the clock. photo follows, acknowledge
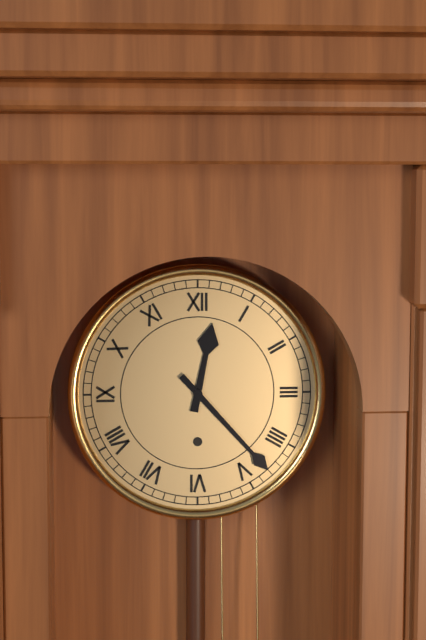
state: 12:23
